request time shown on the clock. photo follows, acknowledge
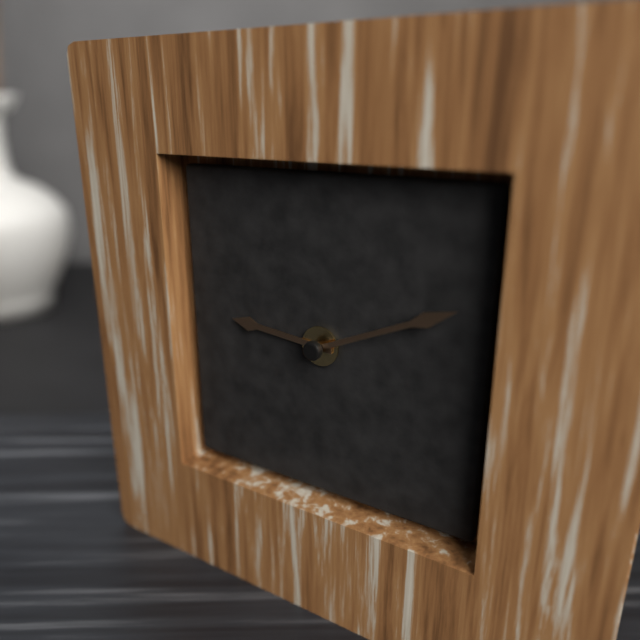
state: 9:11
